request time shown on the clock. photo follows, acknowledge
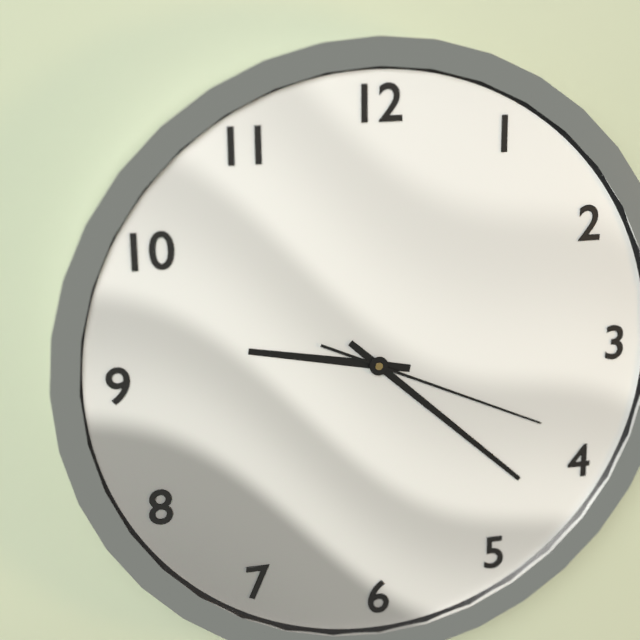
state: 9:22:19
